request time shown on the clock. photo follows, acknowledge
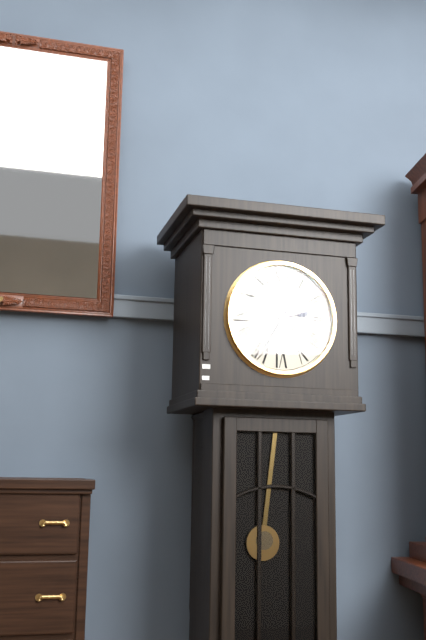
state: 2:35
